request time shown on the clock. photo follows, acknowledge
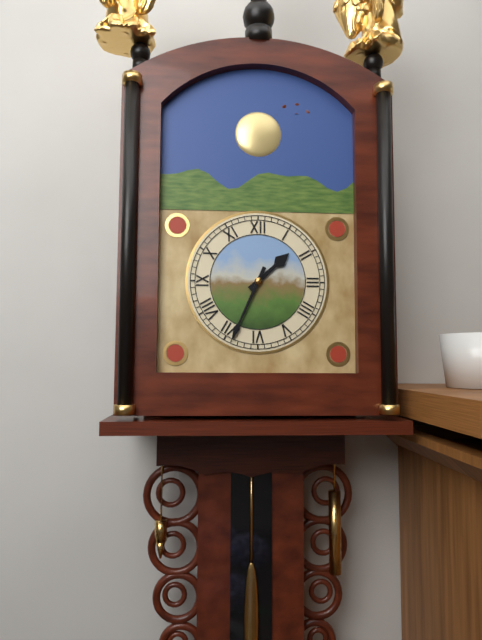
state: 1:34
